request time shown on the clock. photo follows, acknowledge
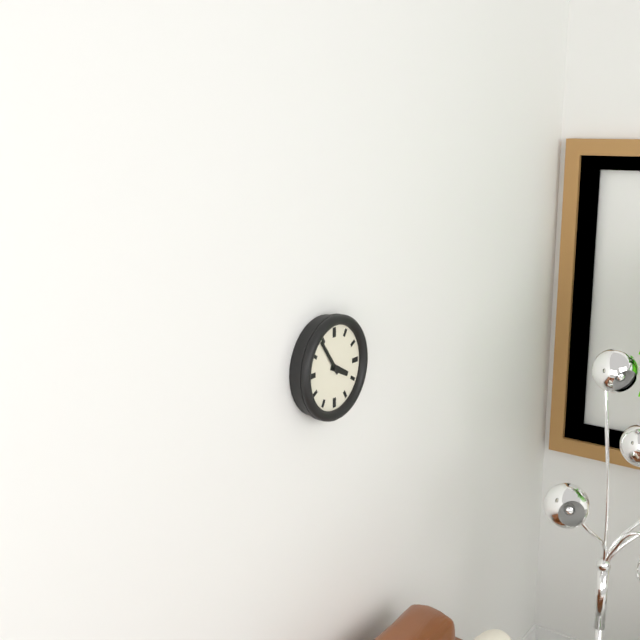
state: 3:54
